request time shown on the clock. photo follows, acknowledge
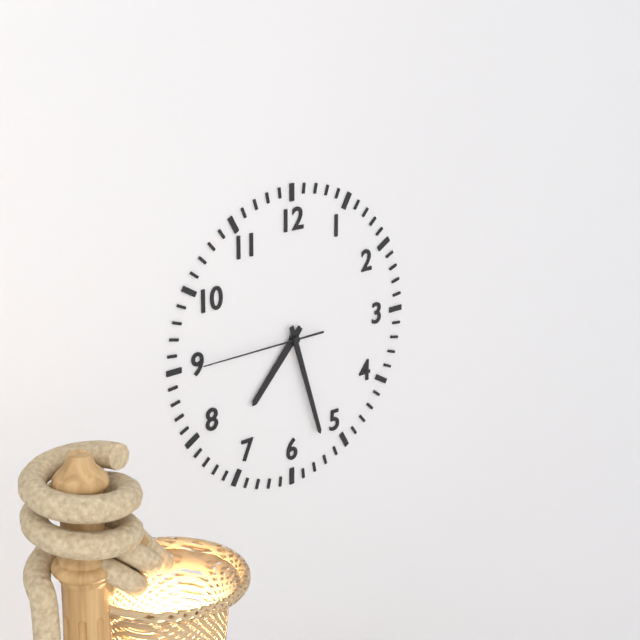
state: 7:27:45
